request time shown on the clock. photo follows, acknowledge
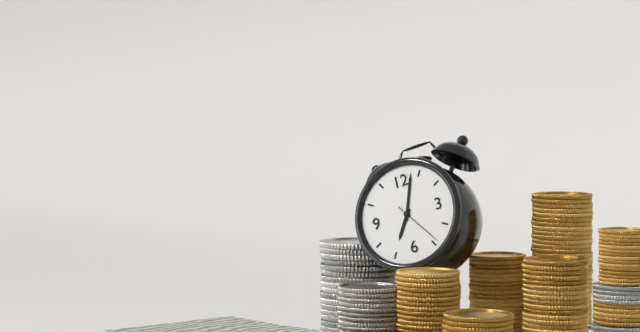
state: 7:03:24
